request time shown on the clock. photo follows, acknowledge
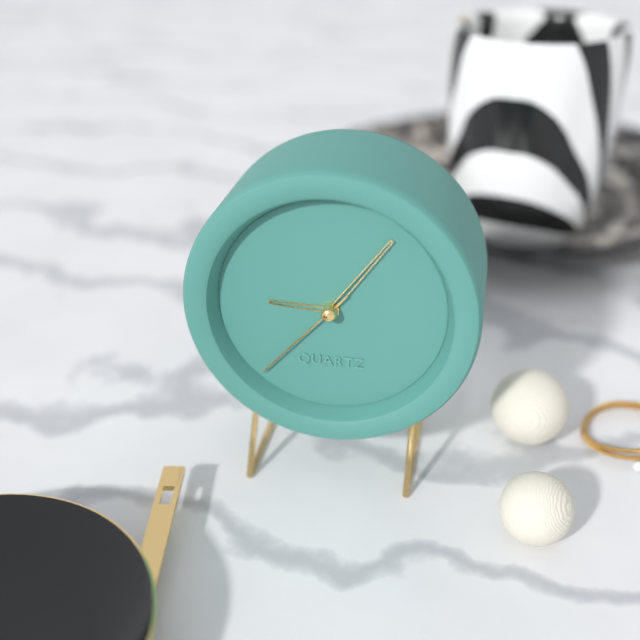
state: 9:06:37
